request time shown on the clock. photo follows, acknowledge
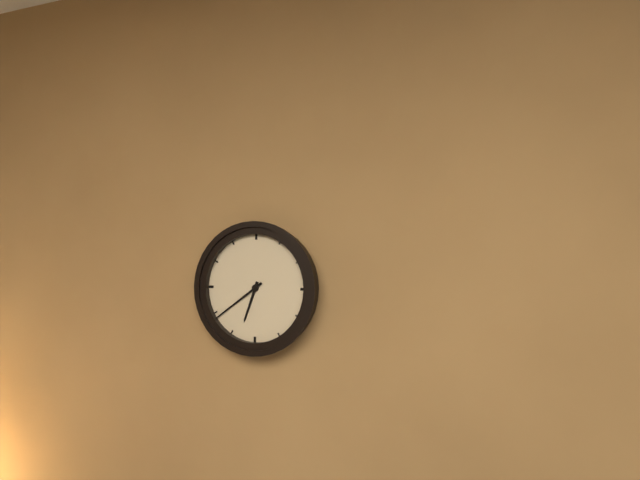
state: 6:39
